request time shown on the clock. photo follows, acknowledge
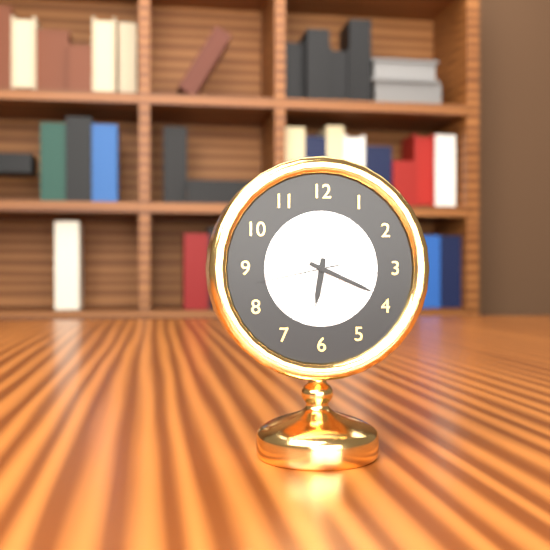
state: 6:19:43
